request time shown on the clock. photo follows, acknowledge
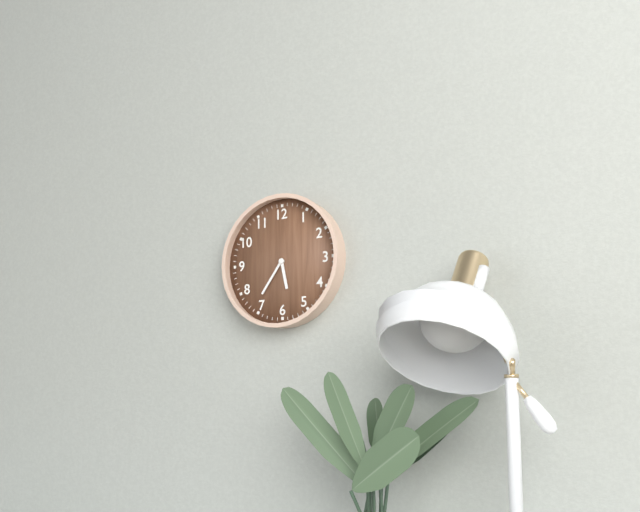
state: 5:36
